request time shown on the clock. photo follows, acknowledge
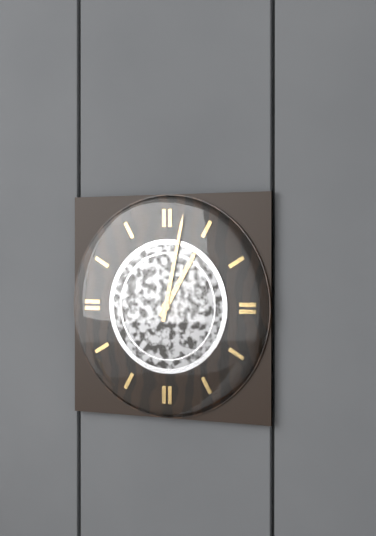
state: 1:02
